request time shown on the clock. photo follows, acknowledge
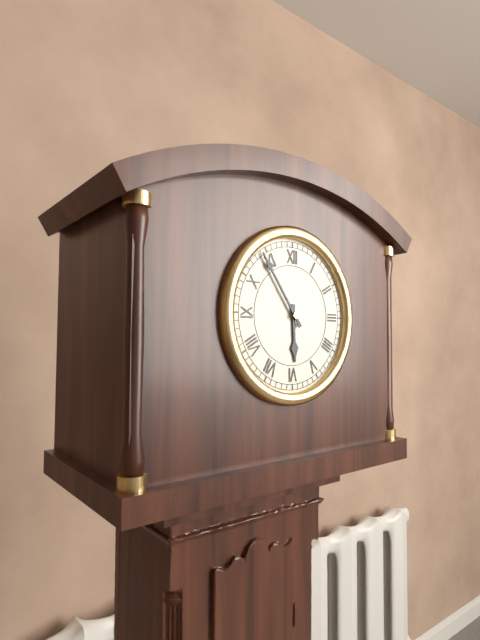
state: 5:54
